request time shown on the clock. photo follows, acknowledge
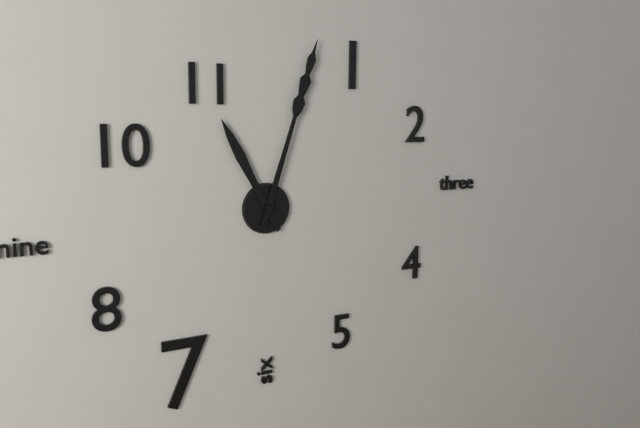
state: 11:03
